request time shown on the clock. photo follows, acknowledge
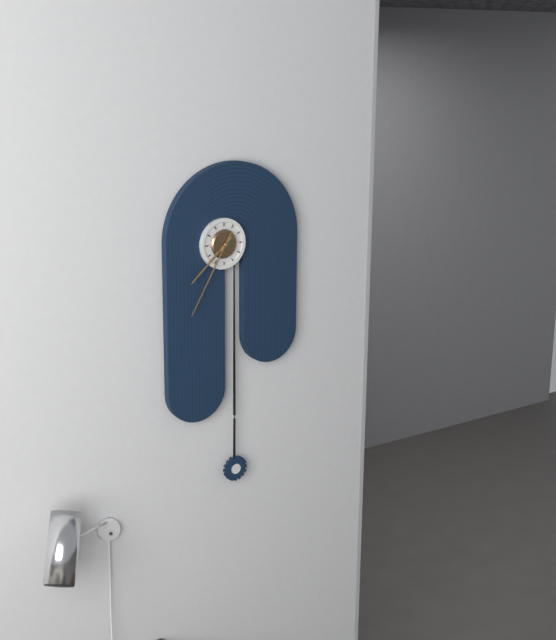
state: 7:35
